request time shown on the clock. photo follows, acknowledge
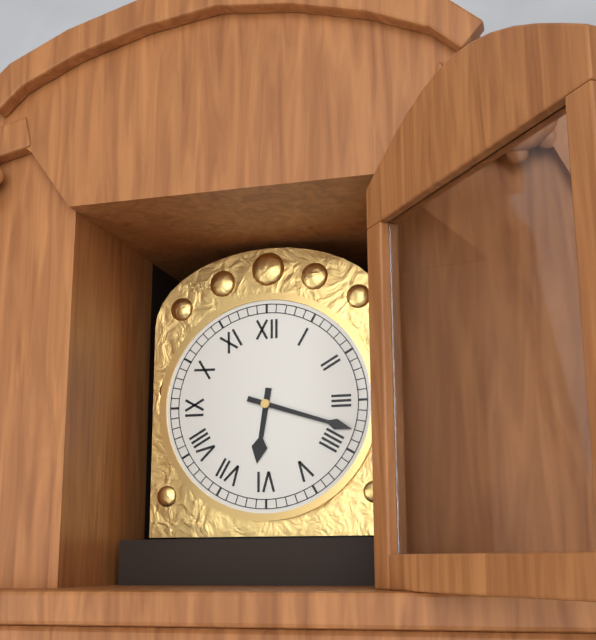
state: 6:18
